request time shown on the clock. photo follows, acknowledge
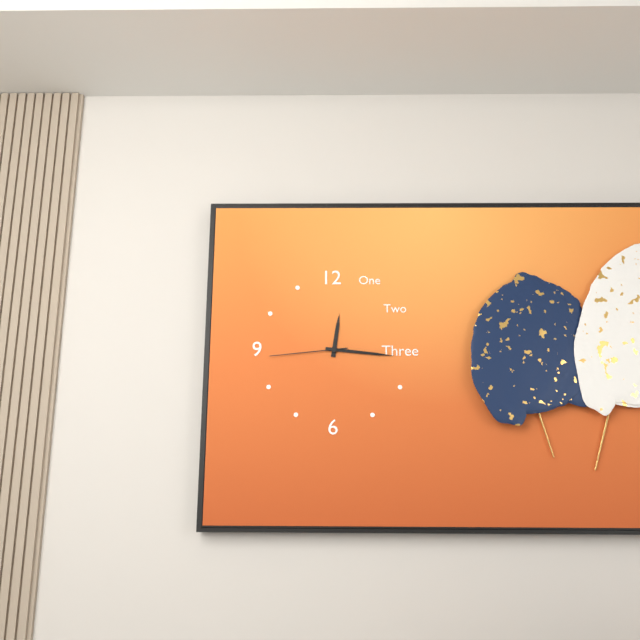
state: 12:16:44
